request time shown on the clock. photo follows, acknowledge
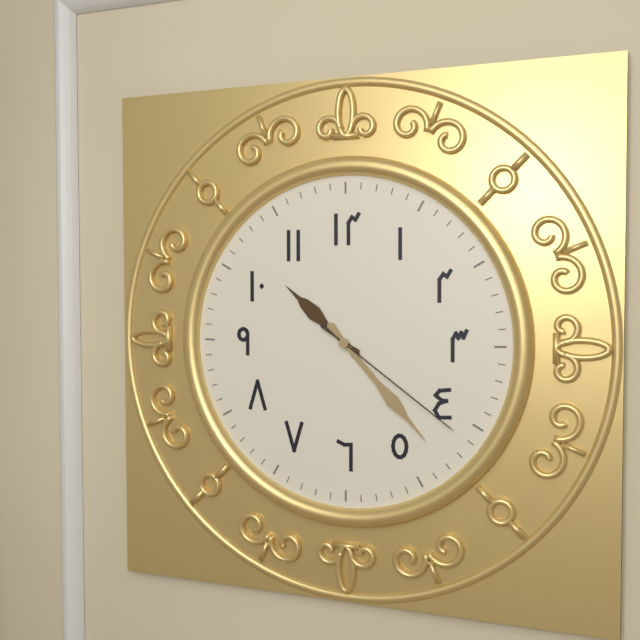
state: 10:23:21
